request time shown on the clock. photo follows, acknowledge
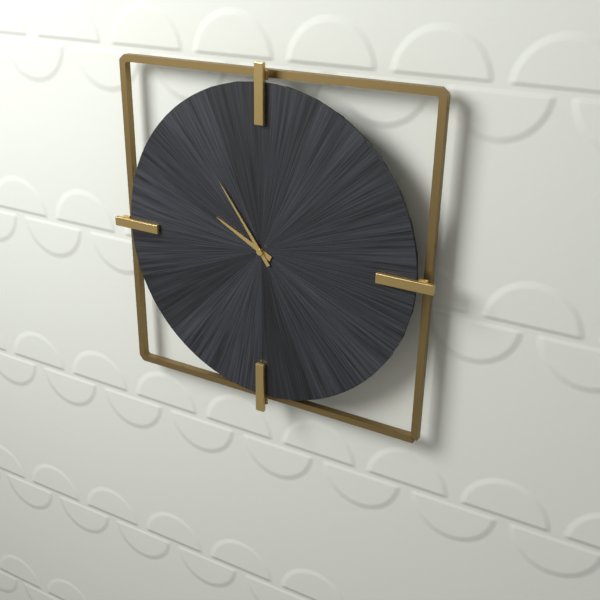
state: 9:54
